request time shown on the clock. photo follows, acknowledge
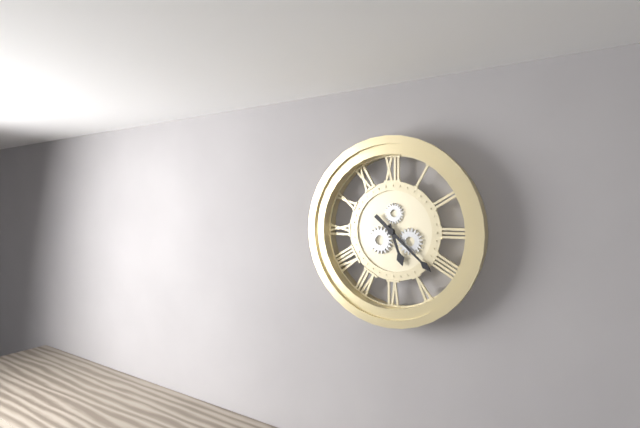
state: 5:22
